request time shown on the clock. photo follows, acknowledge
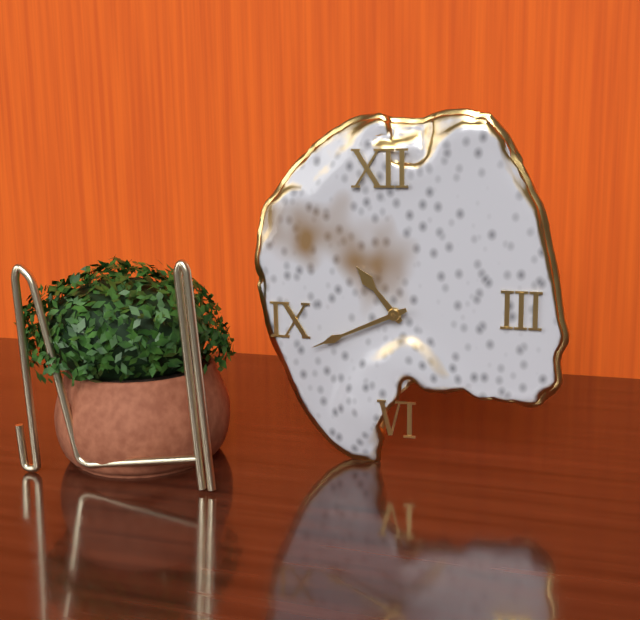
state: 10:41
